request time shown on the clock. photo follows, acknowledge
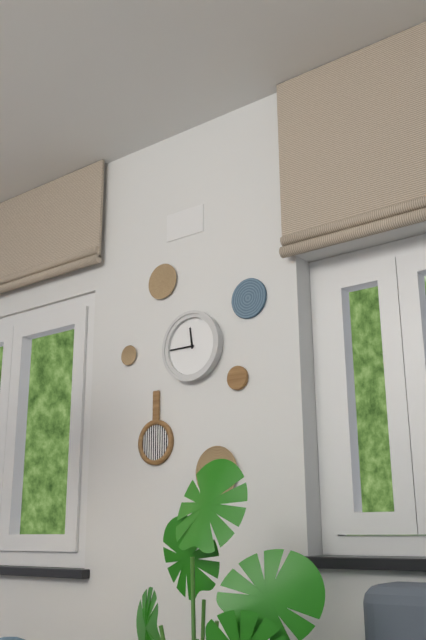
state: 11:45
